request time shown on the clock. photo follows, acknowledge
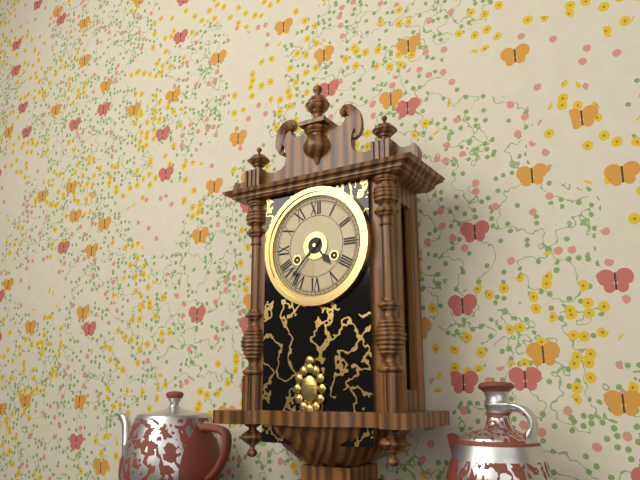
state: 4:37
